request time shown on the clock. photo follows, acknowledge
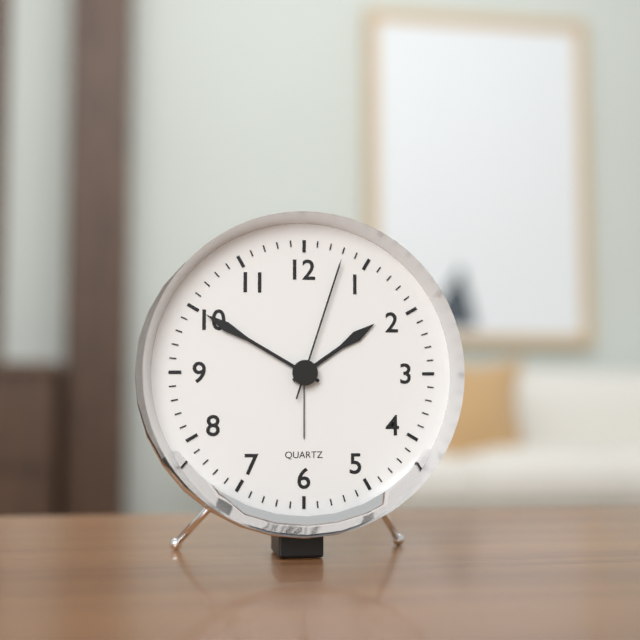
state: 1:50:03
